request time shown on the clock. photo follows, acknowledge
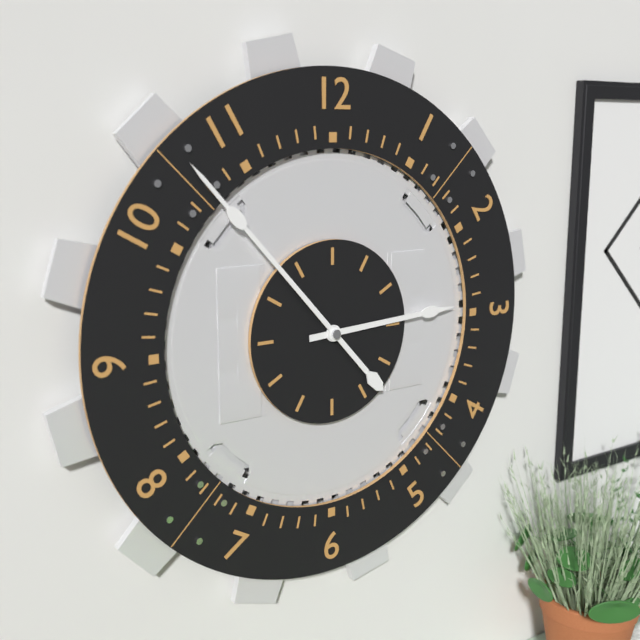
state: 2:53
